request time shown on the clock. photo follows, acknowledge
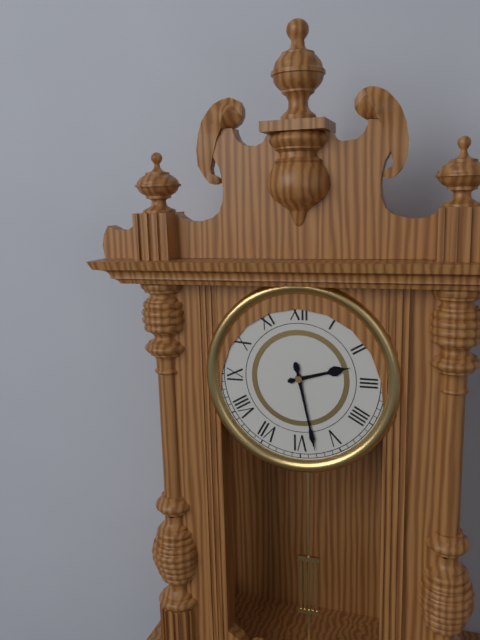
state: 2:28
